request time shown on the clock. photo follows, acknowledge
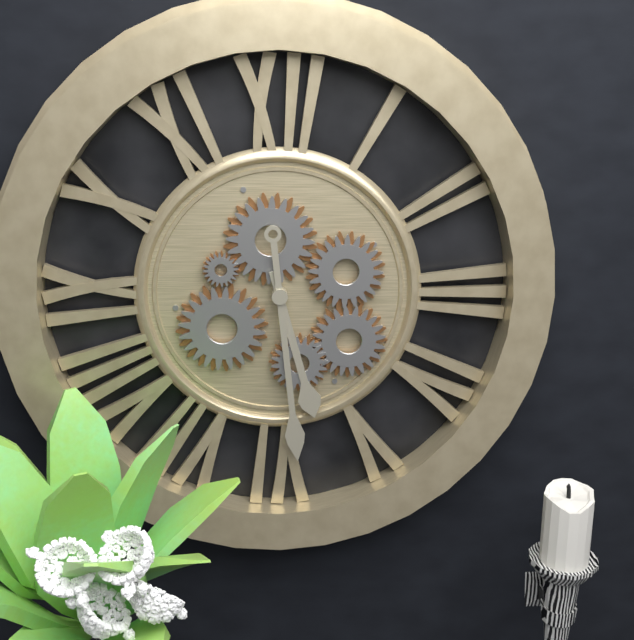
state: 5:29
